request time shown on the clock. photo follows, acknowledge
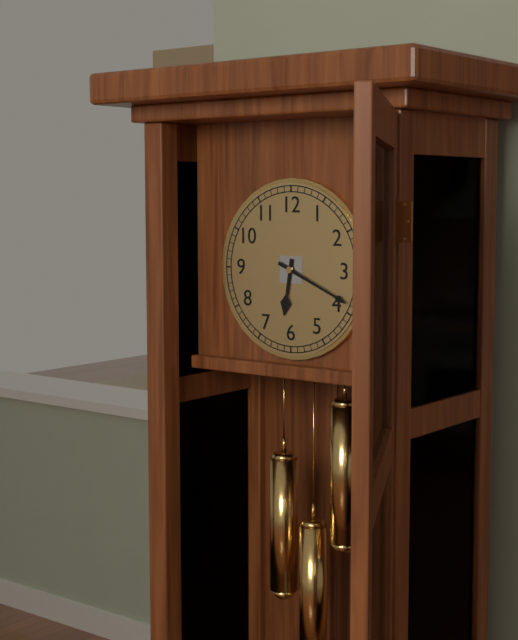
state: 6:19
